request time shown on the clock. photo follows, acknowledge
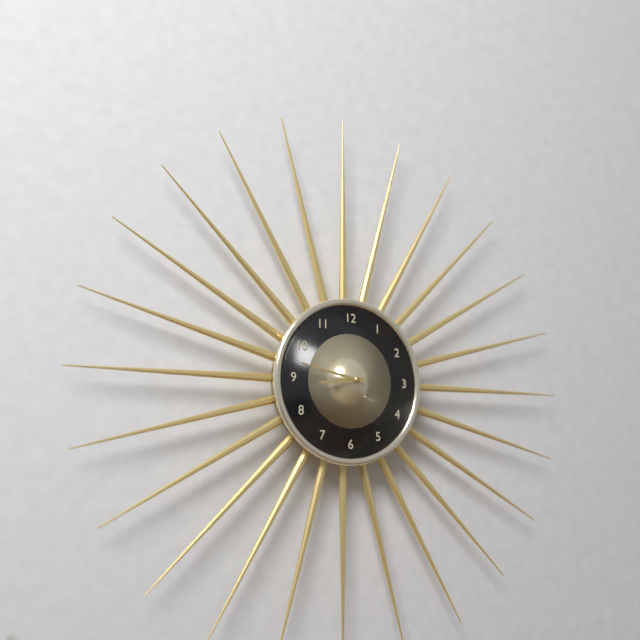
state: 8:47
